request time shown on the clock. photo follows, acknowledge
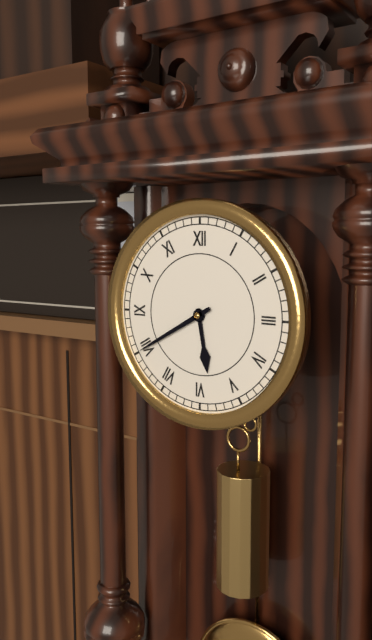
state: 5:40
